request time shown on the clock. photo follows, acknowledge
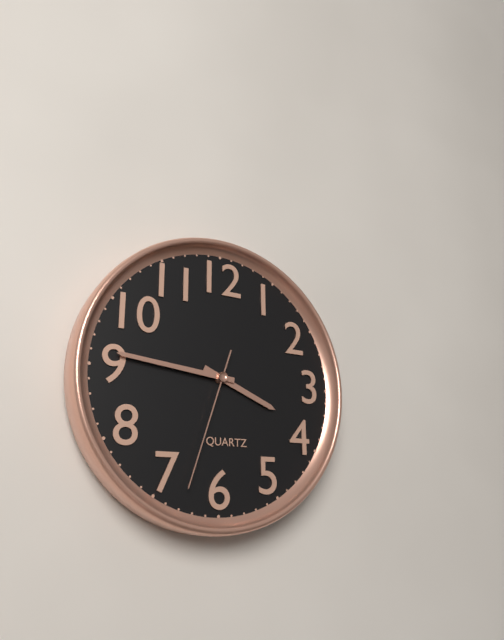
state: 3:46:33
